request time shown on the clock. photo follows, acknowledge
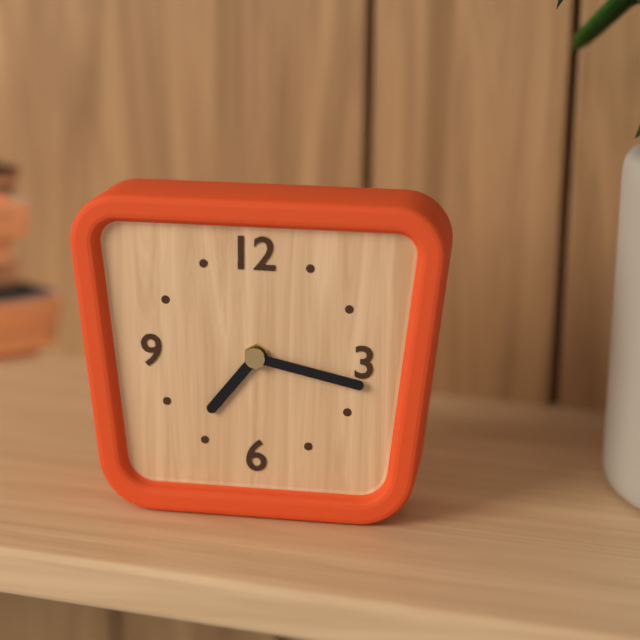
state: 7:17
